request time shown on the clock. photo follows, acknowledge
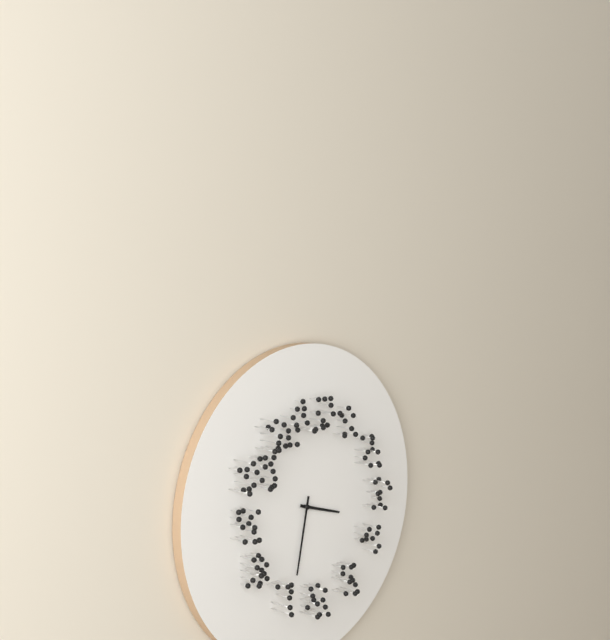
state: 3:32
